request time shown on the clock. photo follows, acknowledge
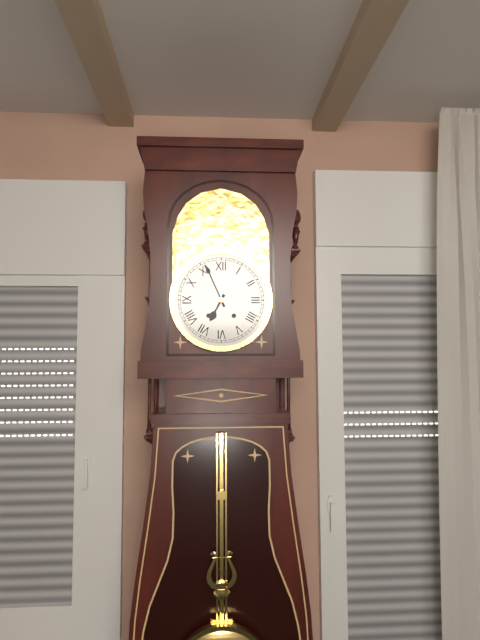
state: 6:56
